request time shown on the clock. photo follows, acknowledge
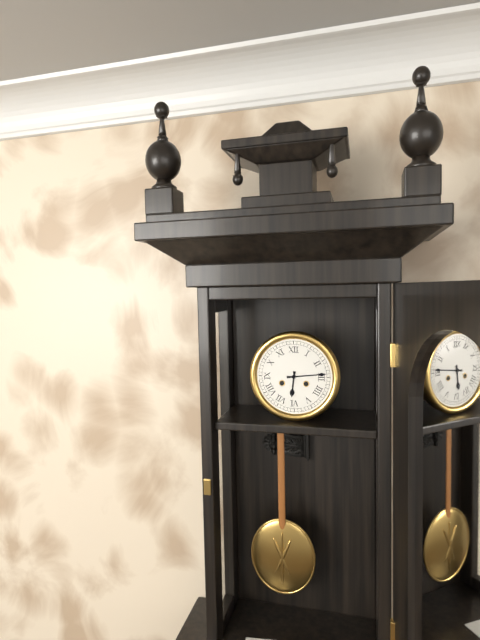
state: 6:14
